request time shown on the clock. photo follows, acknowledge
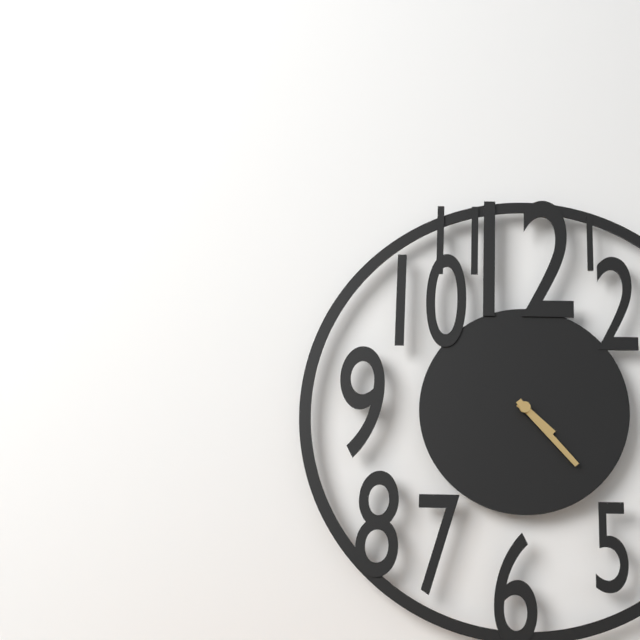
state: 4:23
